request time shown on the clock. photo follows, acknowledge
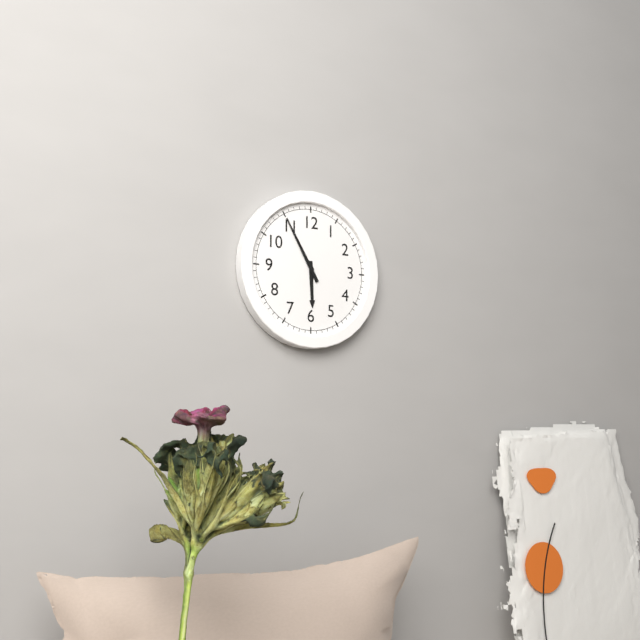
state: 5:55
